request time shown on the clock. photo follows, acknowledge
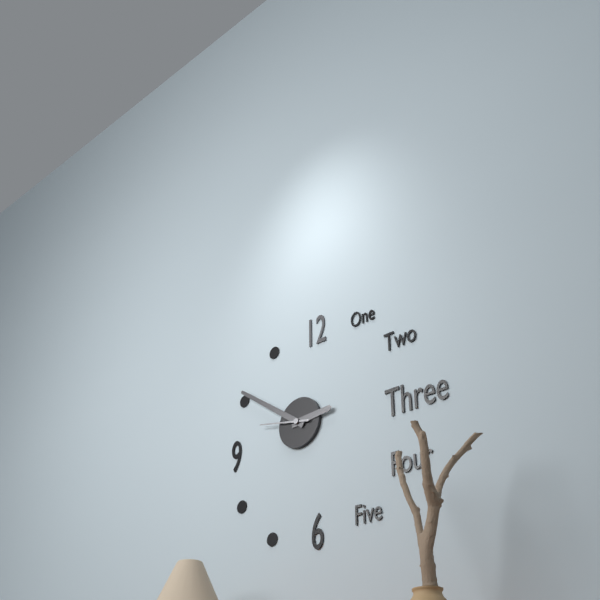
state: 2:51
